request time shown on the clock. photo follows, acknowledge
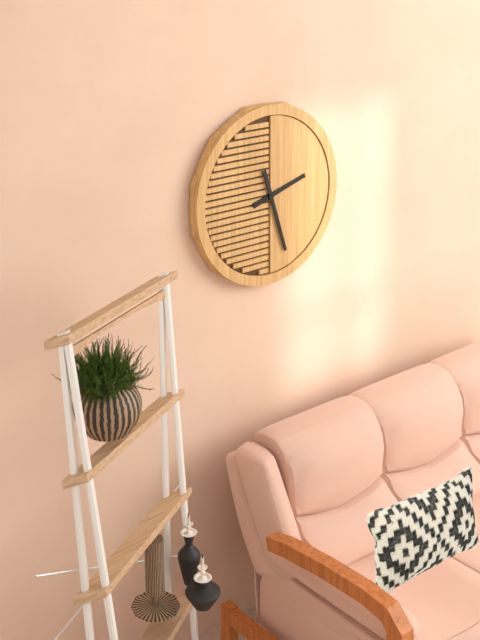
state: 2:27
